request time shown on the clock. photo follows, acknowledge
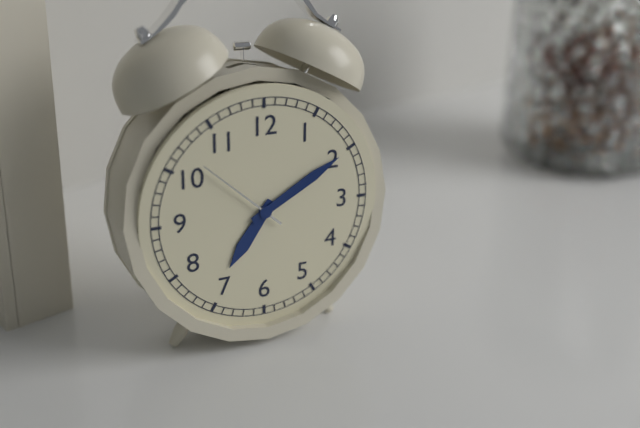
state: 7:10:52
